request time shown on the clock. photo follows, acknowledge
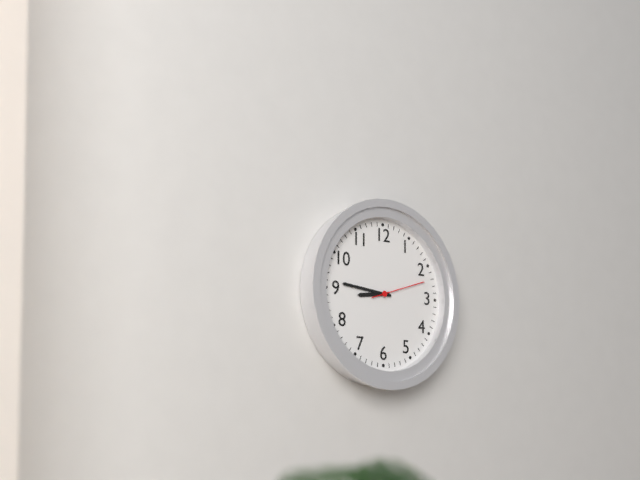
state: 8:46:12
